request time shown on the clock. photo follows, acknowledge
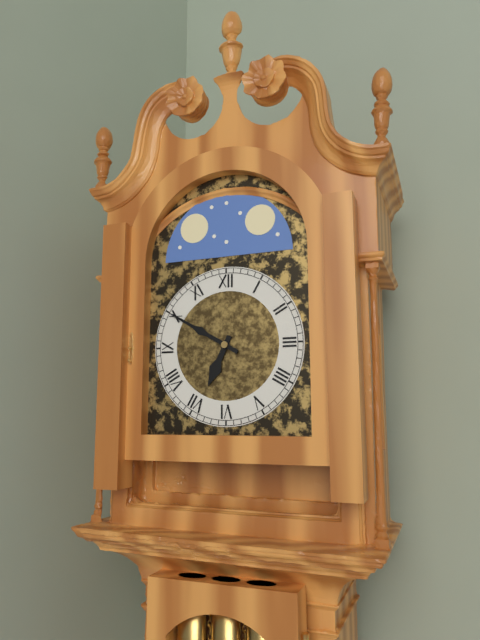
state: 6:50
